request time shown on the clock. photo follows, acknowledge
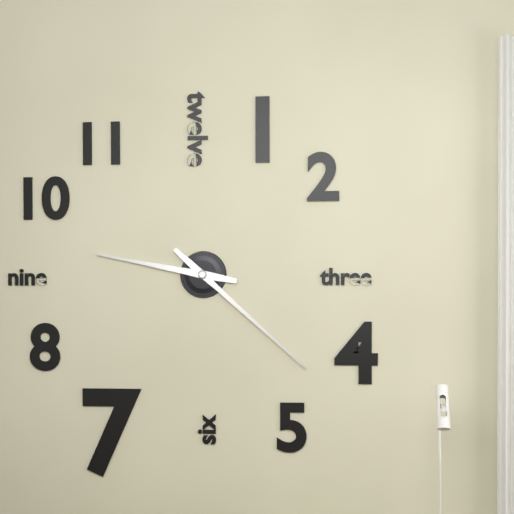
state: 9:22
